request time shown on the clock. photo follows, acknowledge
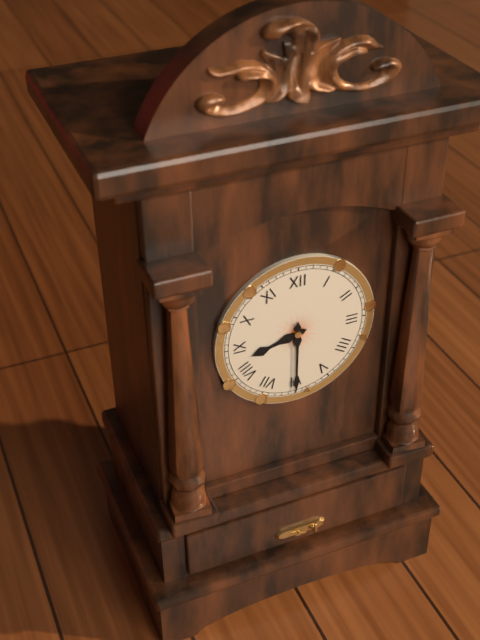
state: 8:30
